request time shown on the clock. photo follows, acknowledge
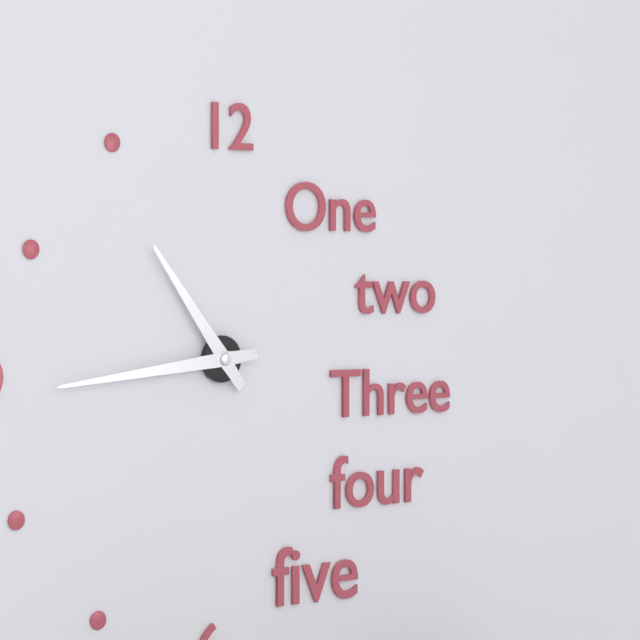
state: 10:44
